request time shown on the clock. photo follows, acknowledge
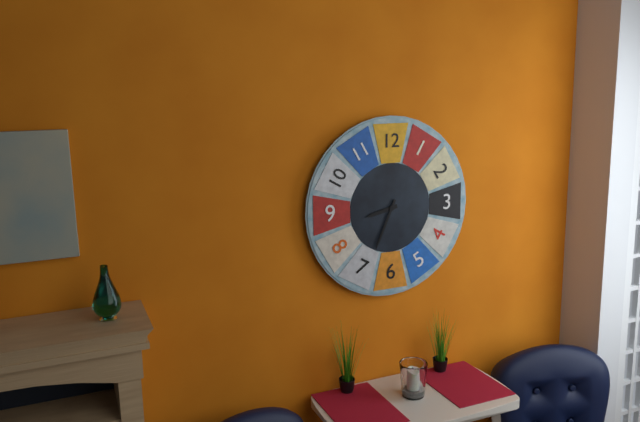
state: 8:34
